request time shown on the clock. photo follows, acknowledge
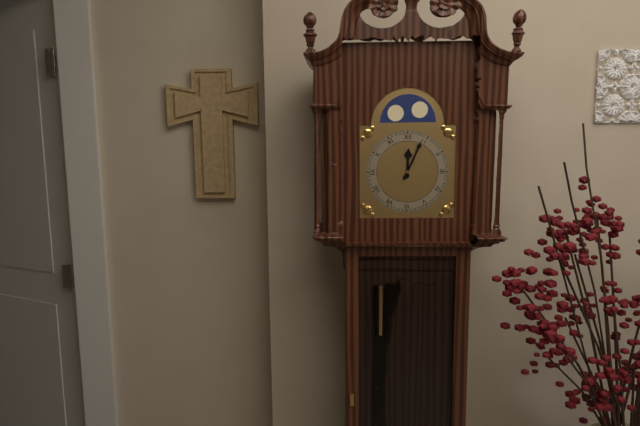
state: 12:04
